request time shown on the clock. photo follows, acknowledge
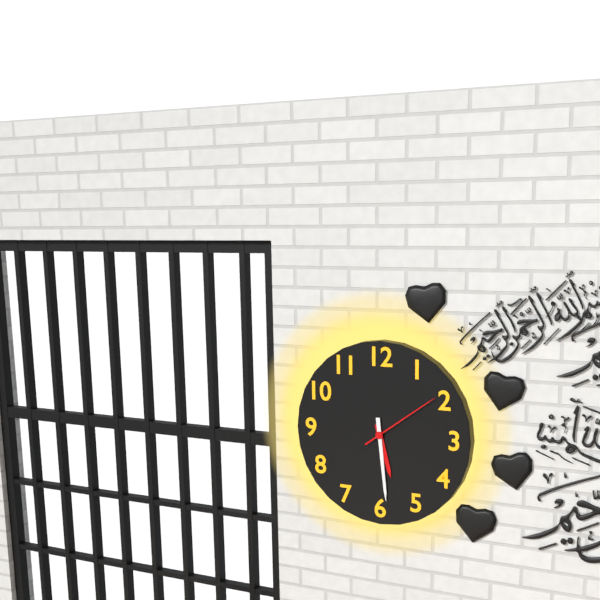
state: 5:29:09
